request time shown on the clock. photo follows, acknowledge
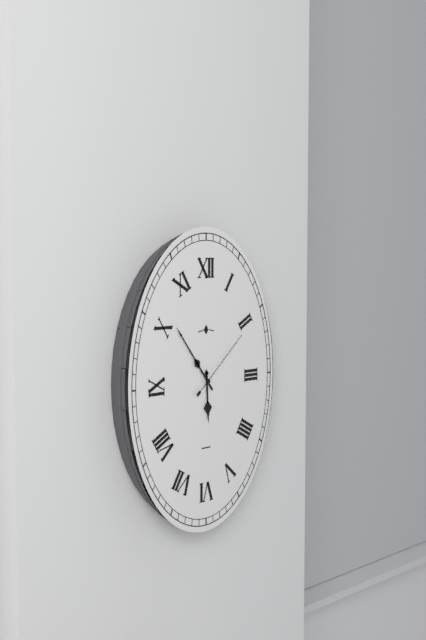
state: 5:54:08
